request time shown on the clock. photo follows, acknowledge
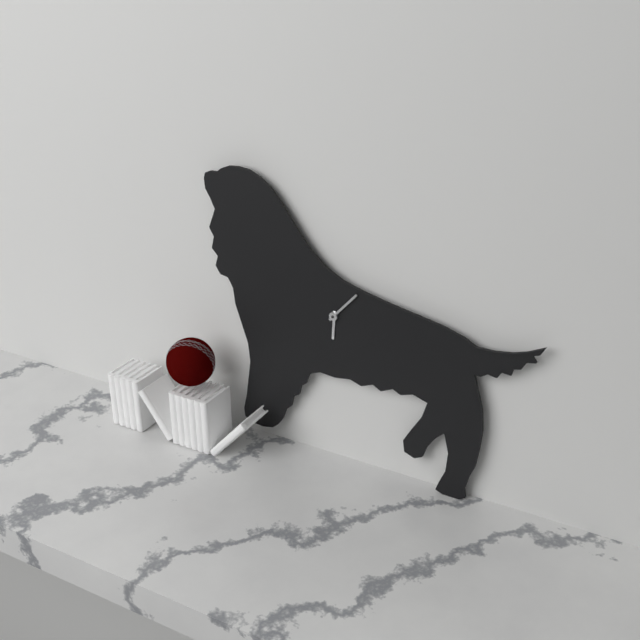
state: 6:07
